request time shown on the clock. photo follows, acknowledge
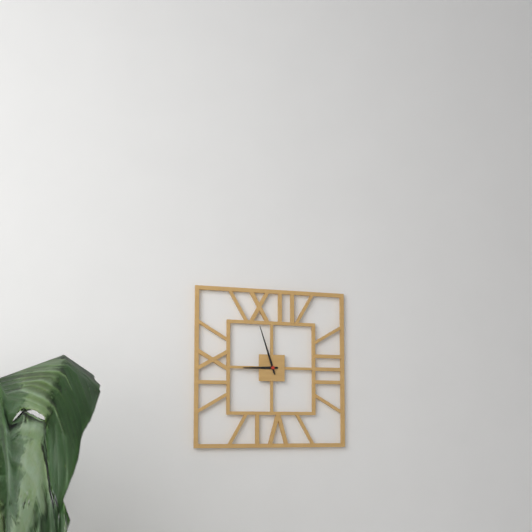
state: 8:57
